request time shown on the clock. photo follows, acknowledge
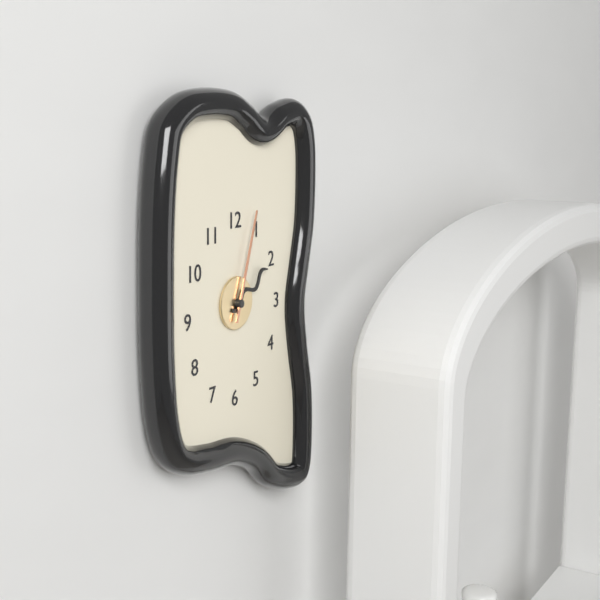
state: 2:03
